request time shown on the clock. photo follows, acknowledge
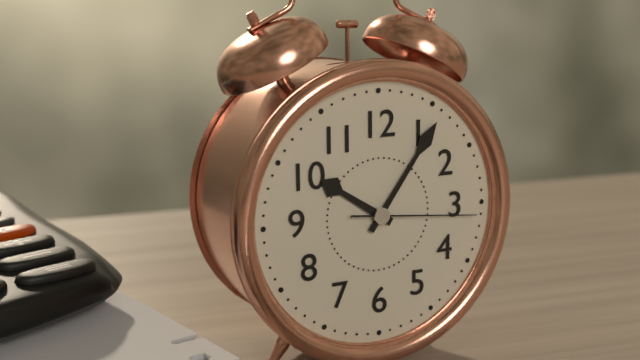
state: 10:06:16
